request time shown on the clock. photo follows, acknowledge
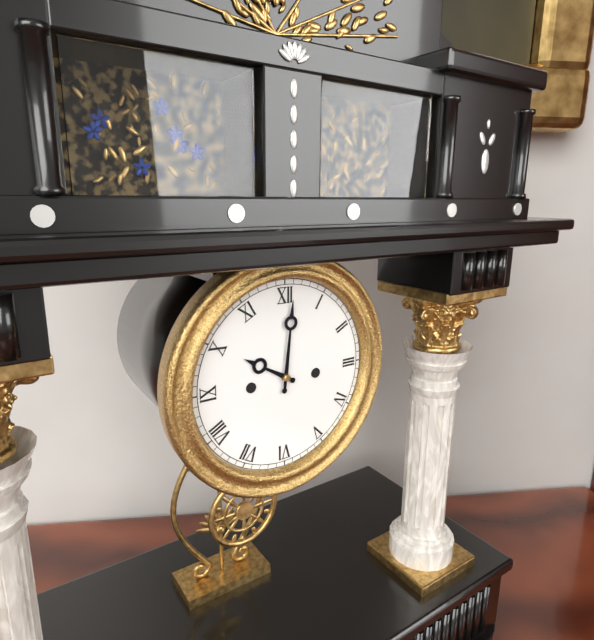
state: 10:01
